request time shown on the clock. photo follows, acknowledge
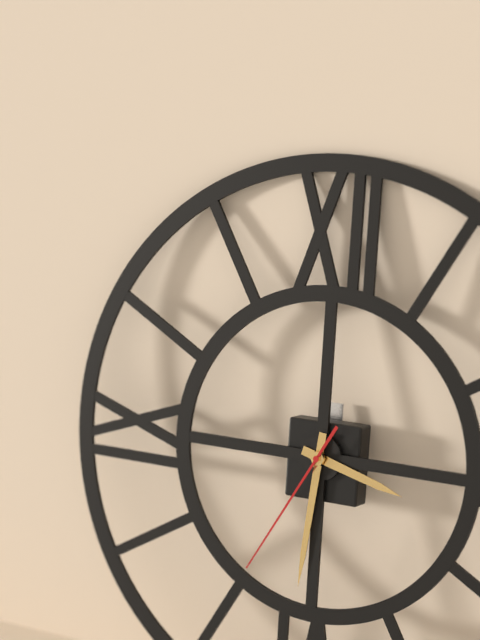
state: 3:31:35
